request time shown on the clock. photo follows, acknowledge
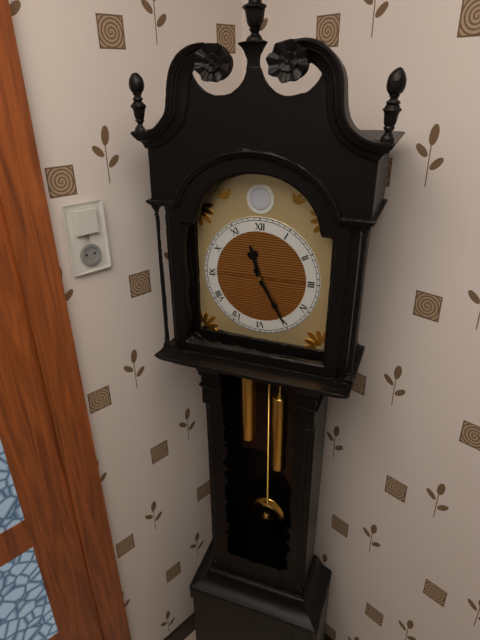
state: 11:25
